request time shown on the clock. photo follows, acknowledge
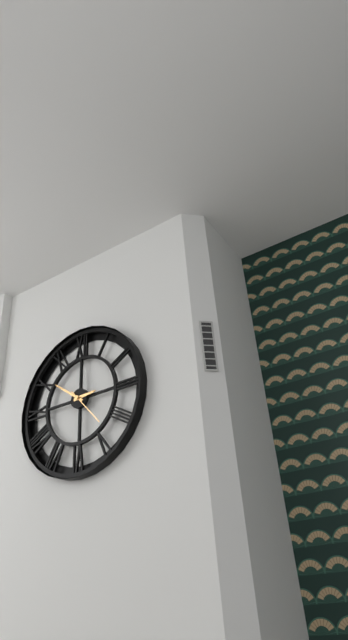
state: 2:51
